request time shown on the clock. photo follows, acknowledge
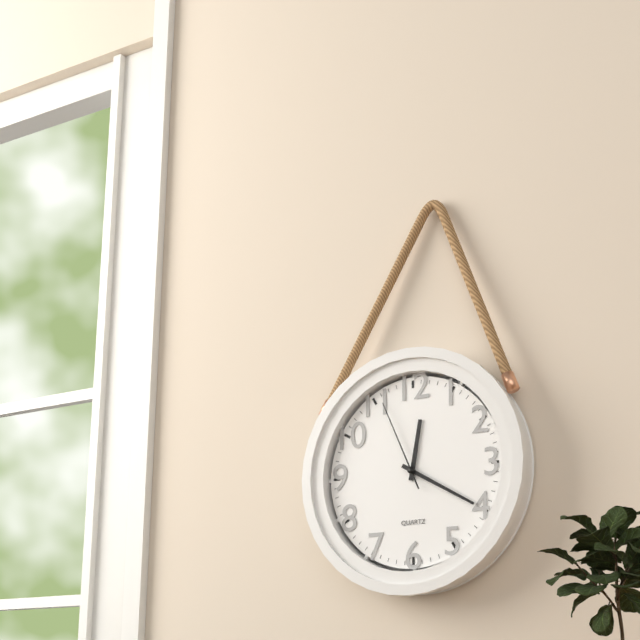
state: 12:20:56
